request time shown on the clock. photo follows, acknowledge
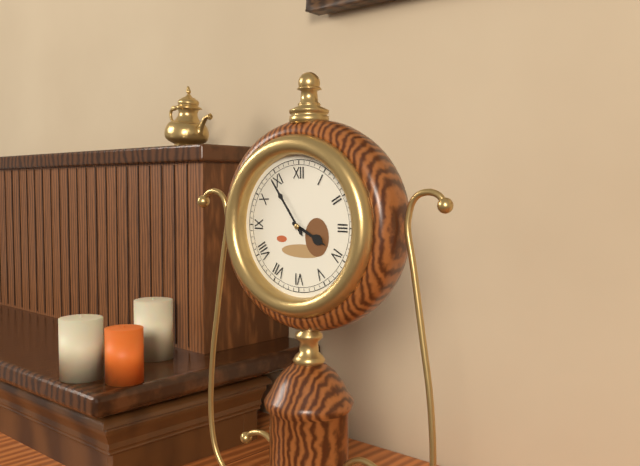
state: 3:54
